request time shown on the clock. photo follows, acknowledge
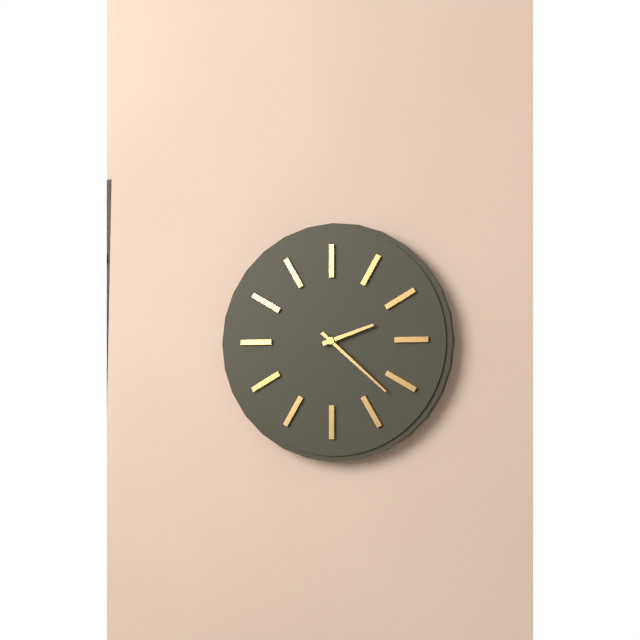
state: 2:22
